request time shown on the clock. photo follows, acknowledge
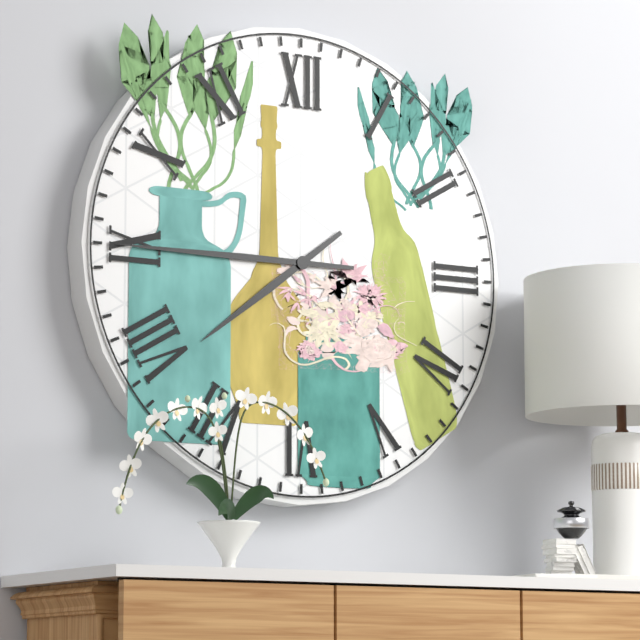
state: 7:45
